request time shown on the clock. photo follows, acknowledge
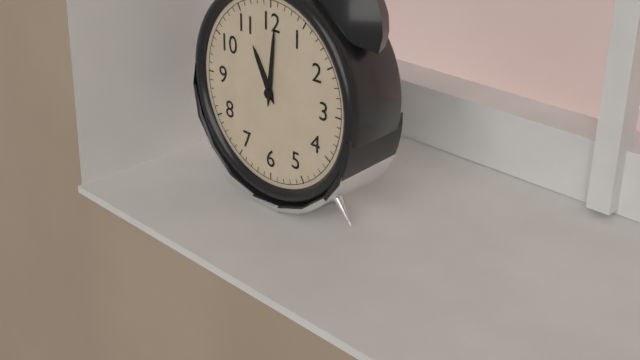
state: 11:01
